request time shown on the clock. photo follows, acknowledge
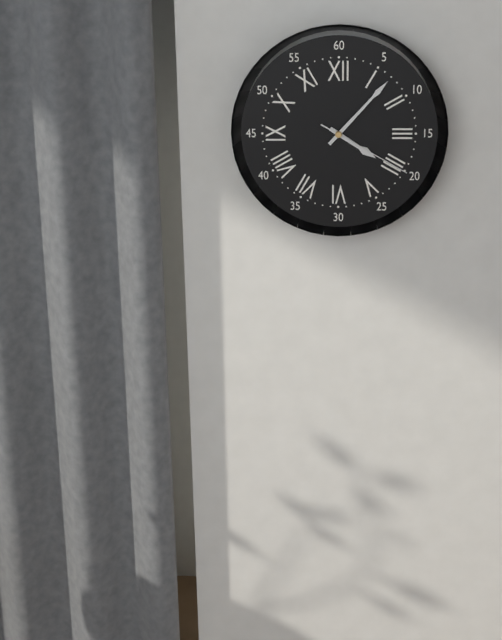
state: 4:07:20
